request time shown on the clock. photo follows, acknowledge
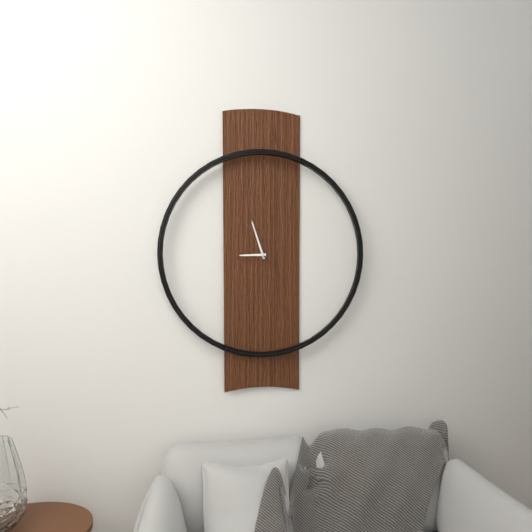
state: 8:57
